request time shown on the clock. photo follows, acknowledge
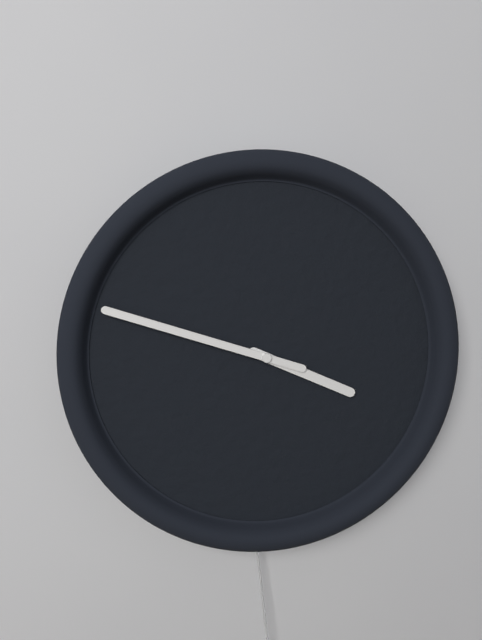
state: 3:48
